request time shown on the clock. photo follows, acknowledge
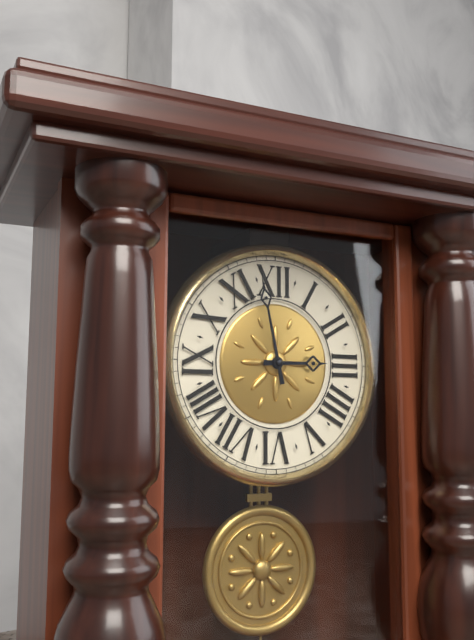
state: 2:58
